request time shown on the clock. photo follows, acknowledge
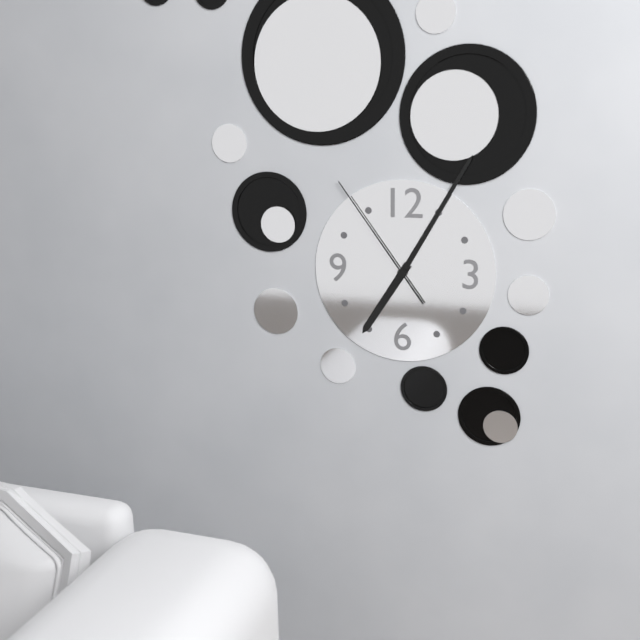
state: 7:05:54
